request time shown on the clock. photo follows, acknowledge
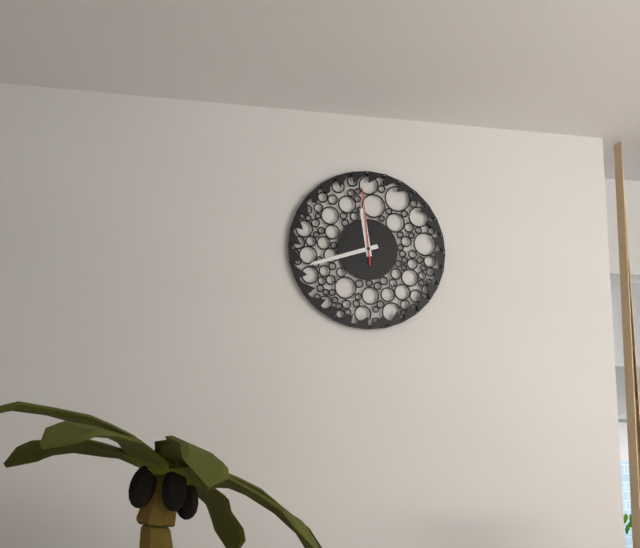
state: 11:42:59
